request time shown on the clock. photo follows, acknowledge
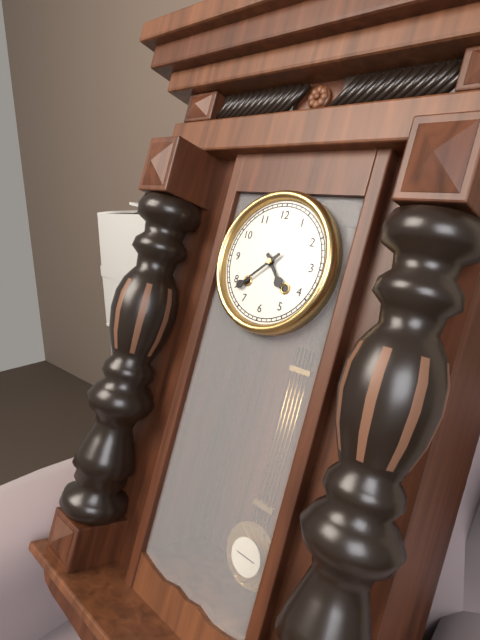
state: 4:38
